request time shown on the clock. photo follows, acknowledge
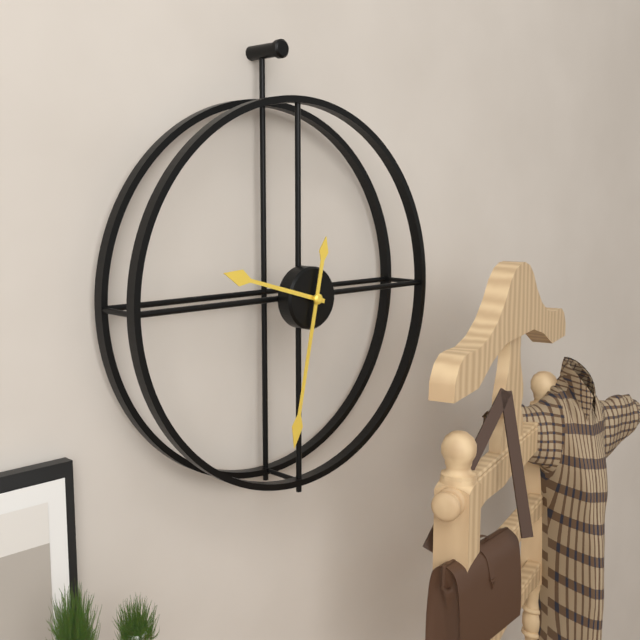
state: 9:32
